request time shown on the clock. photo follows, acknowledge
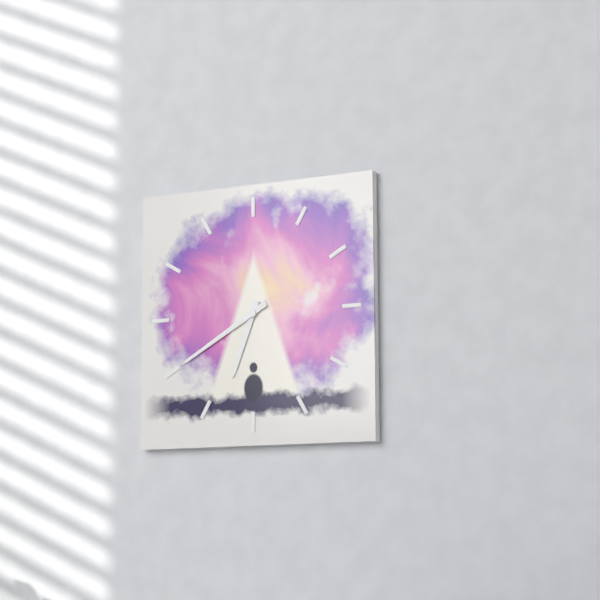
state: 6:40
